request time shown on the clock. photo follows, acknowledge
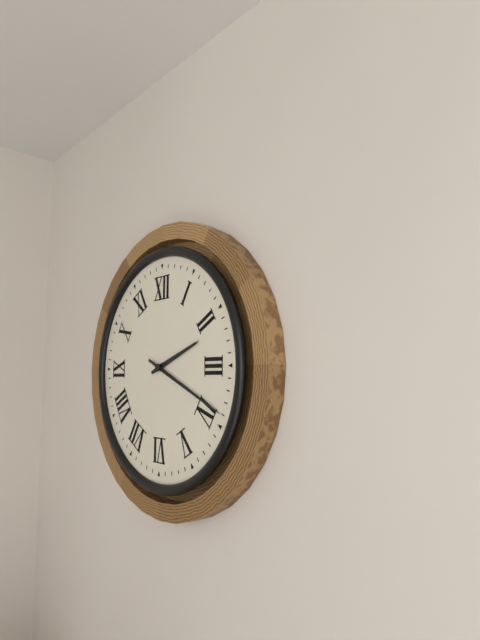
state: 2:19
